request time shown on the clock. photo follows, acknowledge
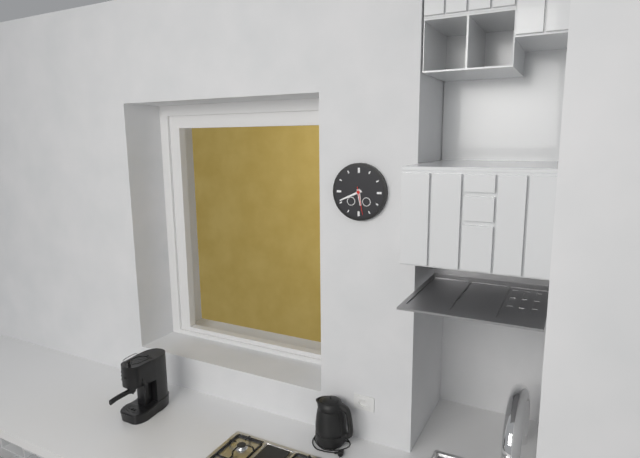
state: 5:41
